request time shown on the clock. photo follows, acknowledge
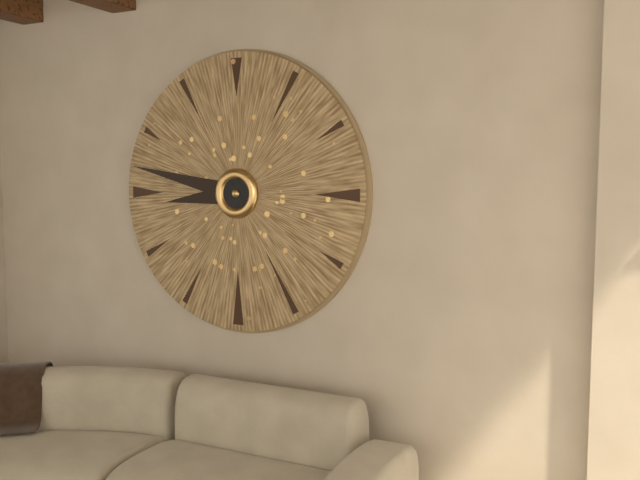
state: 8:47
